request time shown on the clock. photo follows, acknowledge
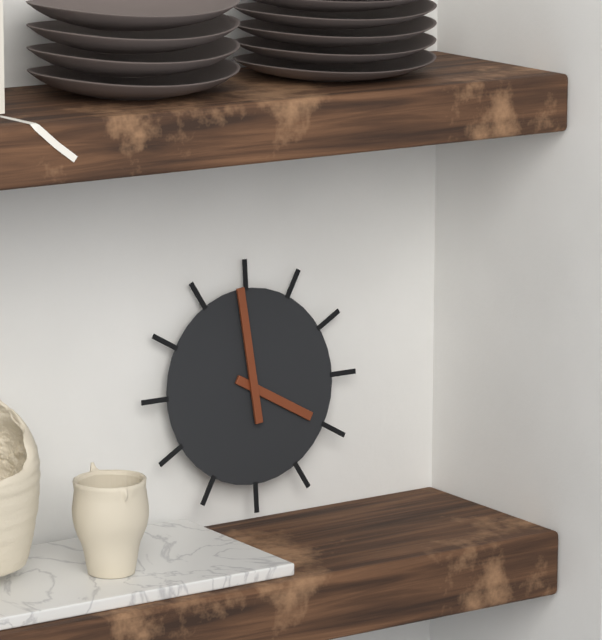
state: 3:59
